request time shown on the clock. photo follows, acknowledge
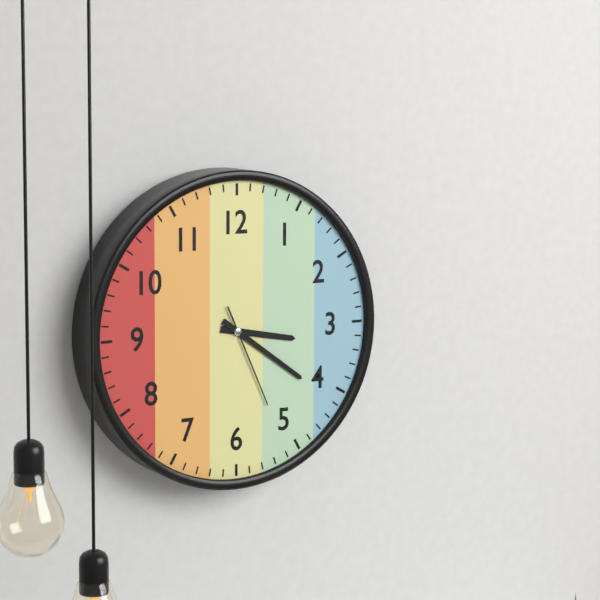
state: 3:21:26
